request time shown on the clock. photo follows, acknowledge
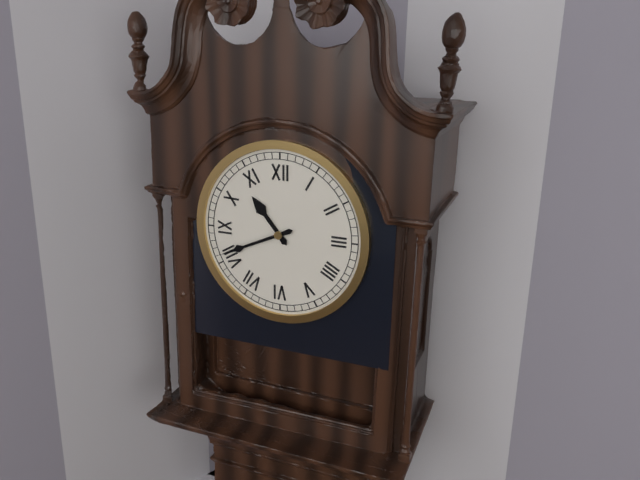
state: 10:41
